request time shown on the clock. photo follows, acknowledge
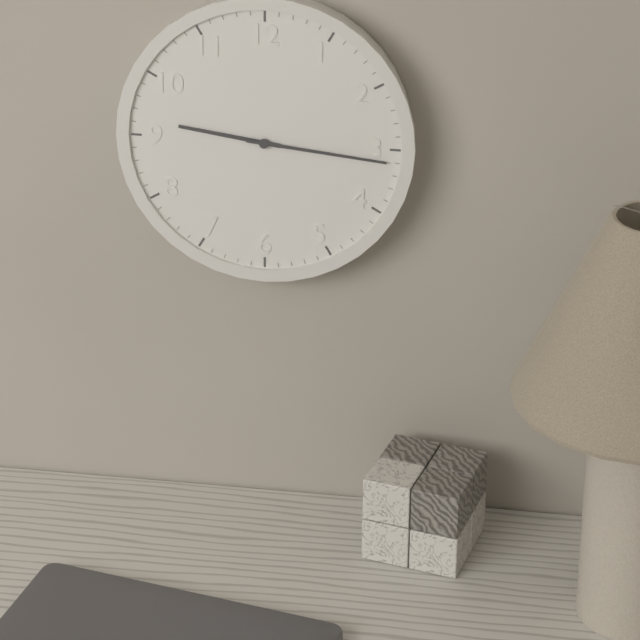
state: 9:16
